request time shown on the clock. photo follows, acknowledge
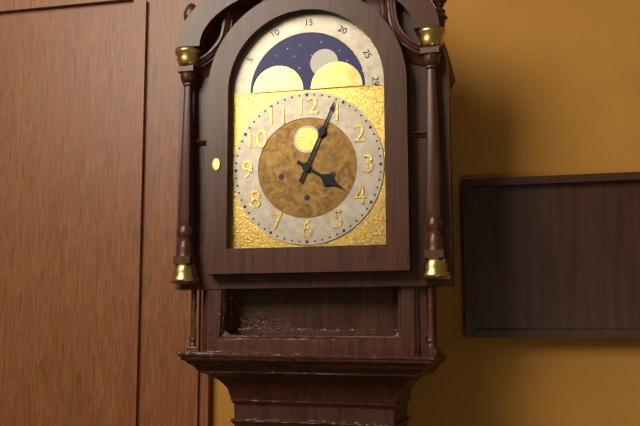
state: 4:04
